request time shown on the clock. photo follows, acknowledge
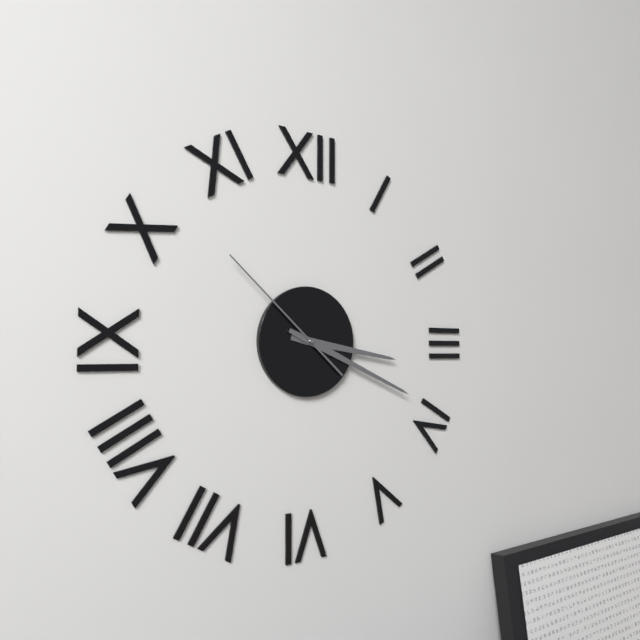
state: 3:19:52
